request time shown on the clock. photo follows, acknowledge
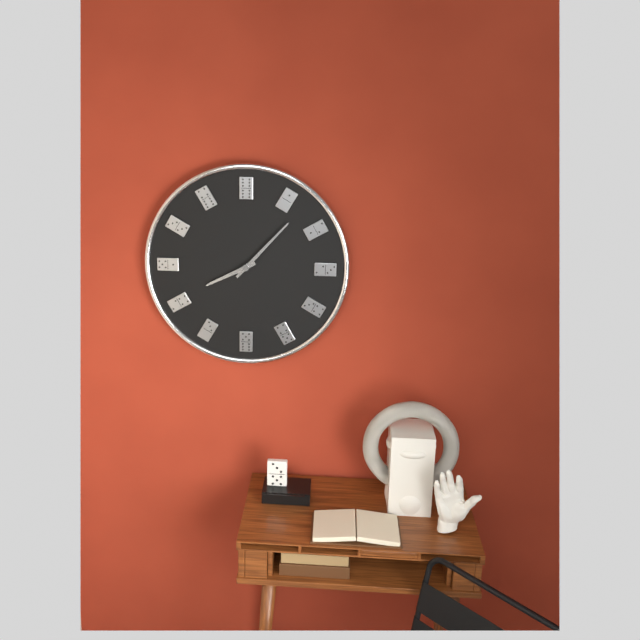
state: 8:07
